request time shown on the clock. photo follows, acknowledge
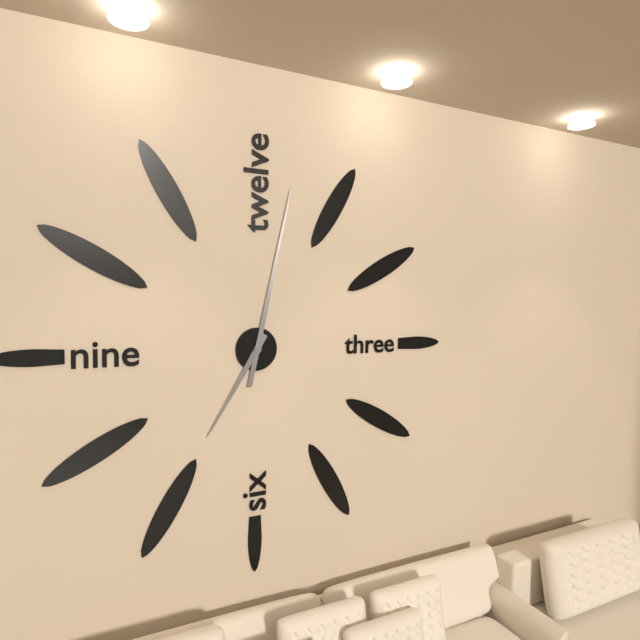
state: 7:02
